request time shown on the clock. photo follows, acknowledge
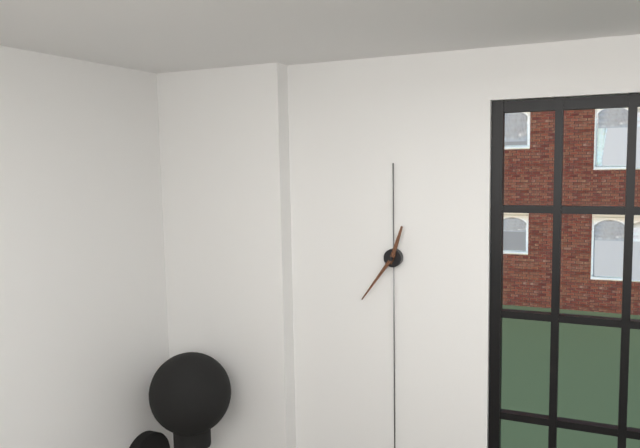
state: 12:36
